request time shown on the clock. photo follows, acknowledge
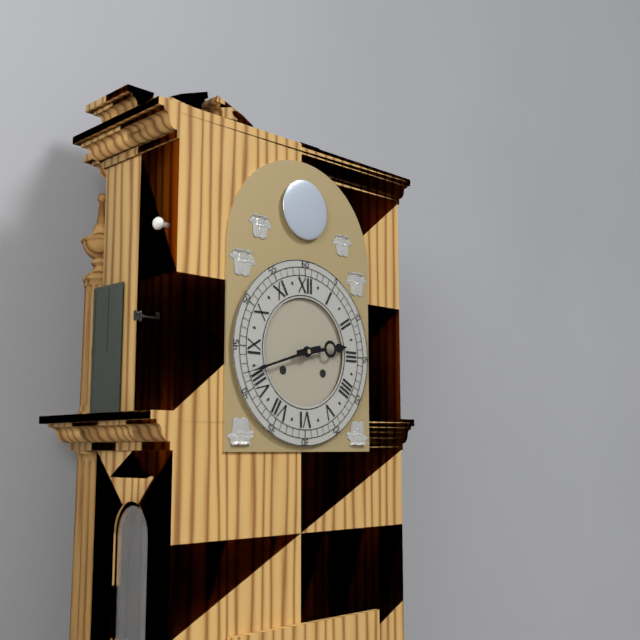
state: 2:42
